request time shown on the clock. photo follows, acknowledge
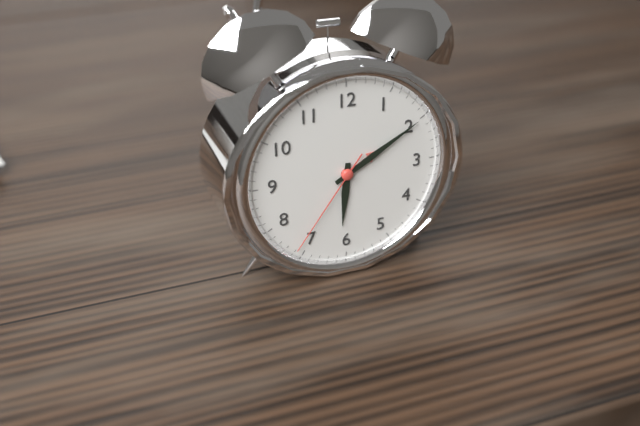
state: 6:10:36
